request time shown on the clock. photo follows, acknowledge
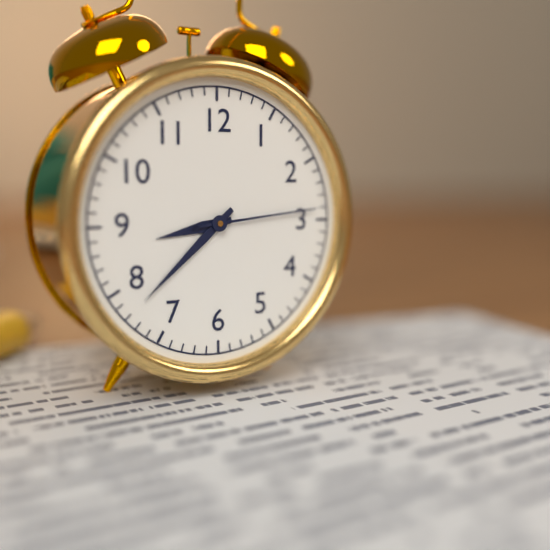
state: 8:38:14
